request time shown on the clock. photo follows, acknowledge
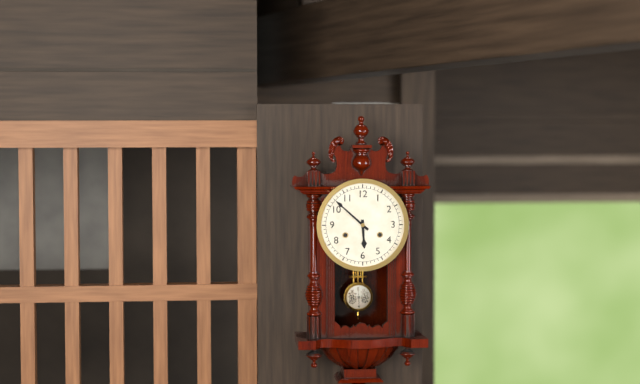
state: 5:52
